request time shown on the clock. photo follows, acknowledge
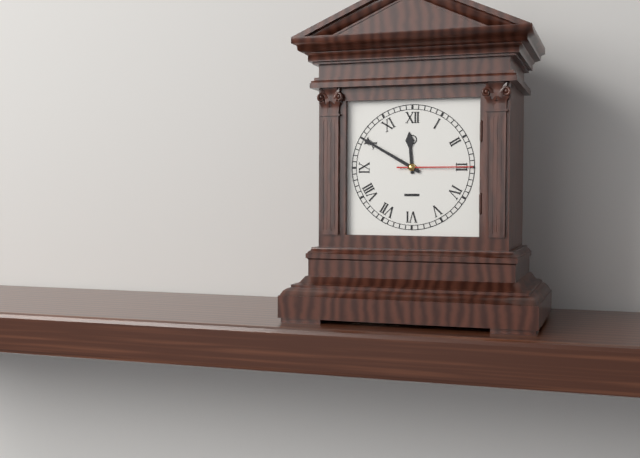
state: 11:50:15
